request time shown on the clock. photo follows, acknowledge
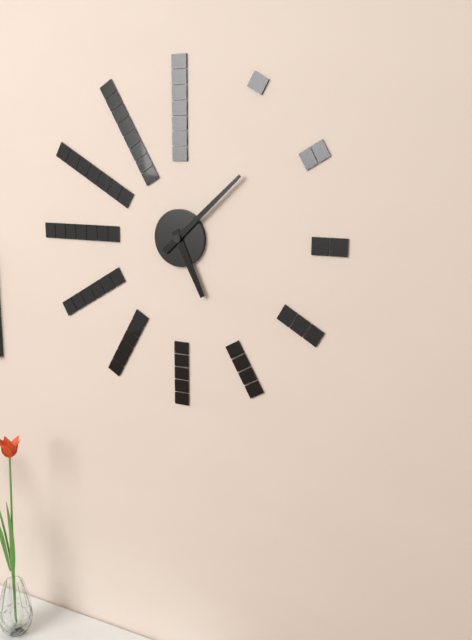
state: 5:08
